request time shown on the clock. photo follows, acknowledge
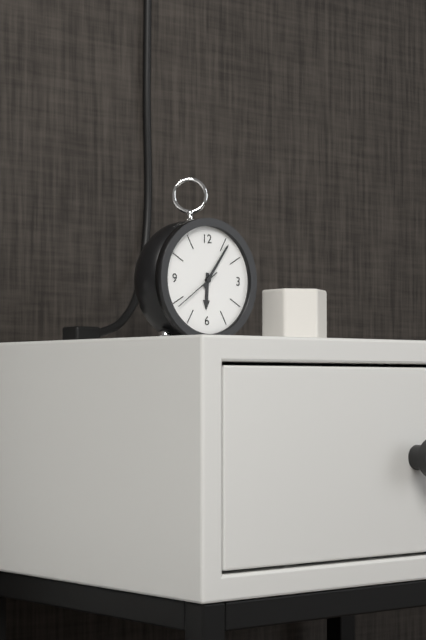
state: 6:06:39
